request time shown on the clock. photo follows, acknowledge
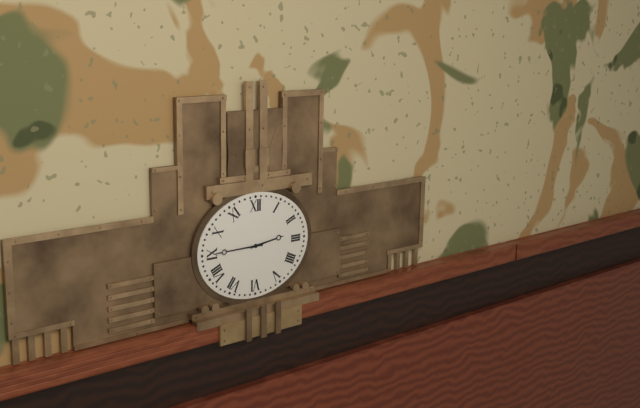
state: 2:45
